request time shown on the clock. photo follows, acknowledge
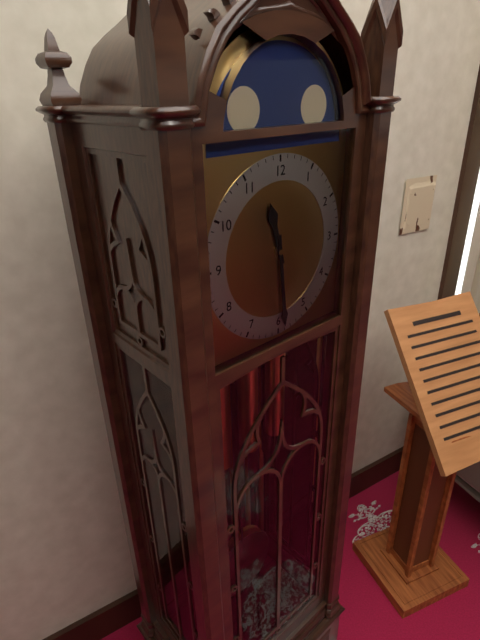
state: 11:29
